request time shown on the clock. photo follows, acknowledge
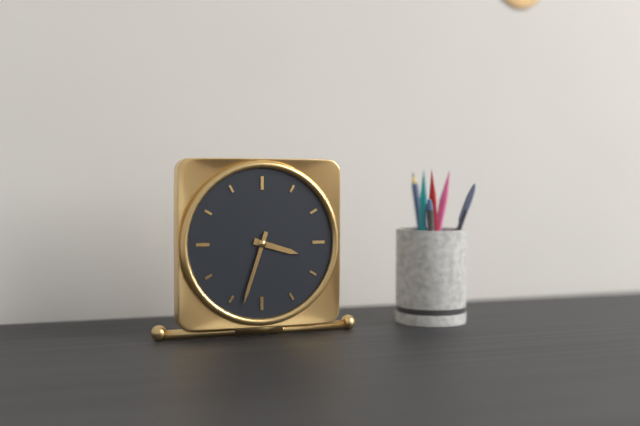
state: 3:33
